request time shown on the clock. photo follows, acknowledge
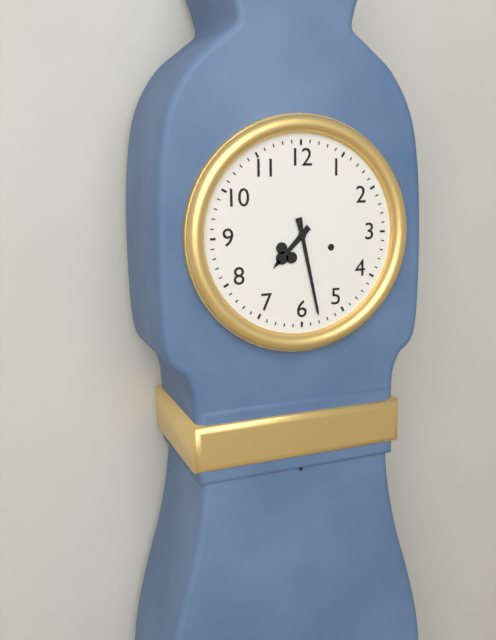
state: 7:28
